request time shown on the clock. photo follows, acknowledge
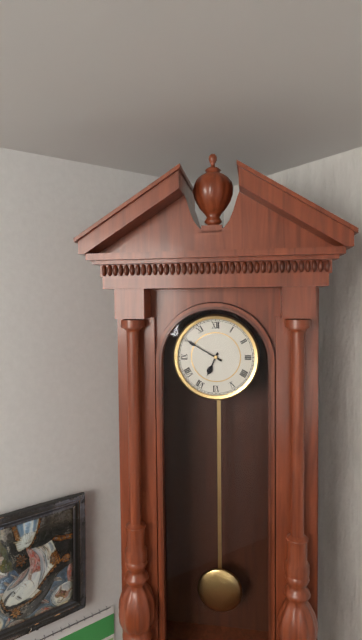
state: 6:50
